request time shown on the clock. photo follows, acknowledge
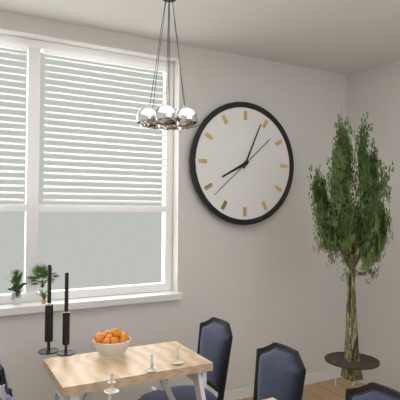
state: 8:04:38
